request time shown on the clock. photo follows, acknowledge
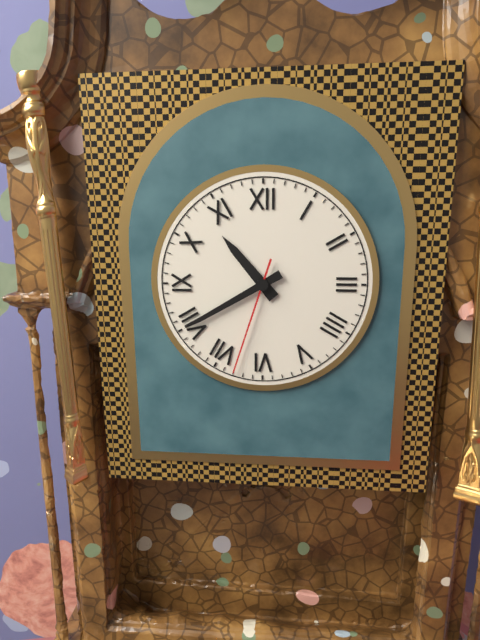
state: 10:40:33
